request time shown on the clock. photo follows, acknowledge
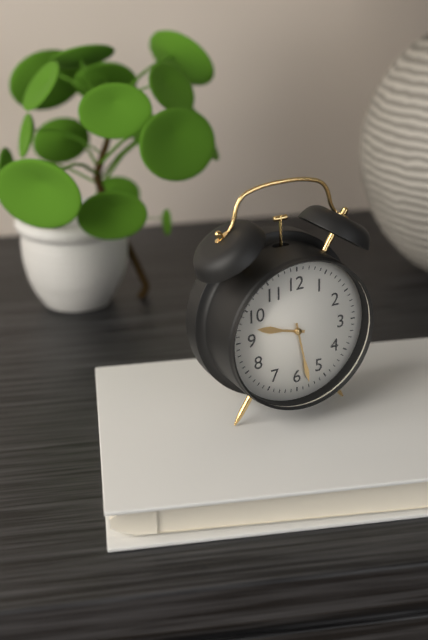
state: 9:28
